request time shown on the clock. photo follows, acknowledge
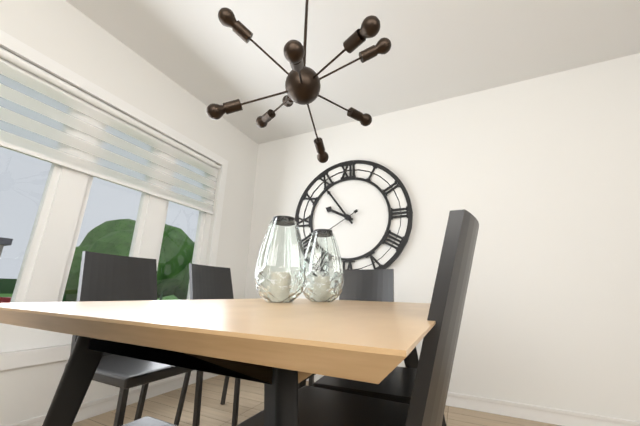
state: 9:54:40
